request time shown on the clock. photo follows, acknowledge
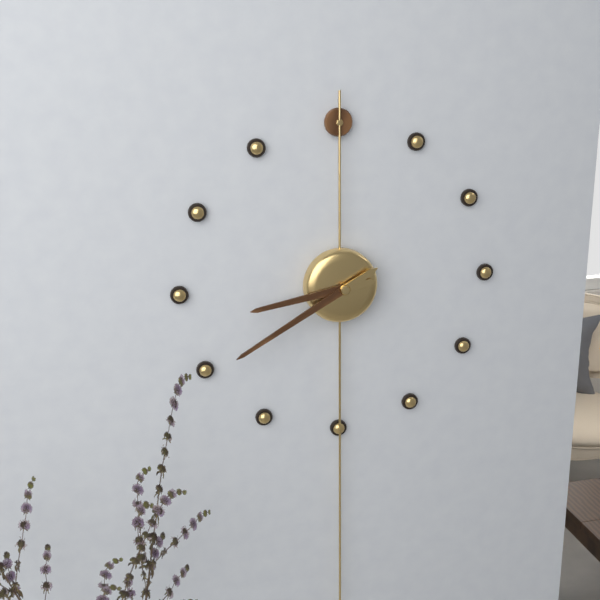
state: 8:40
